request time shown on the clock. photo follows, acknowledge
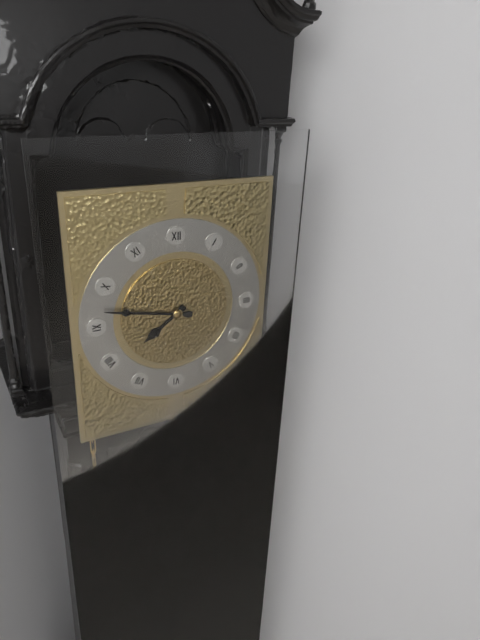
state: 7:47
